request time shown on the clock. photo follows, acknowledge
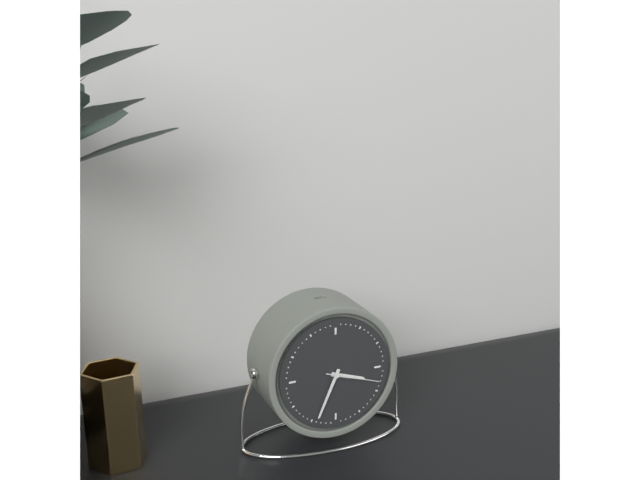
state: 3:34:18
